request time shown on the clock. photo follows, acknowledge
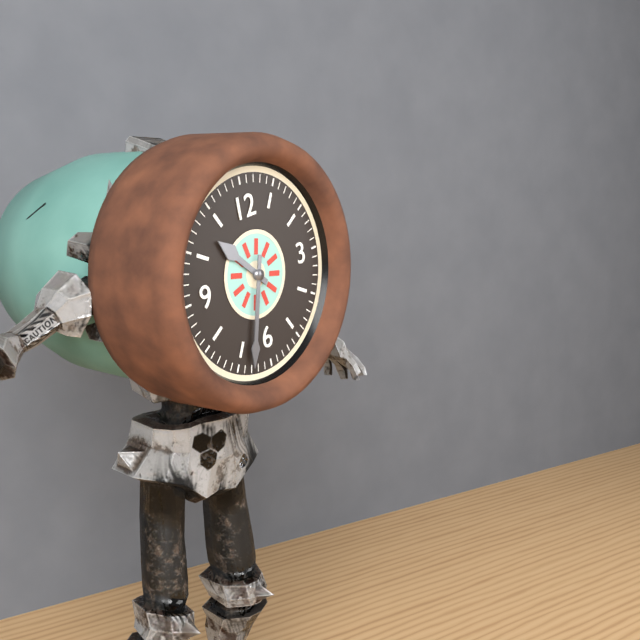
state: 10:33
